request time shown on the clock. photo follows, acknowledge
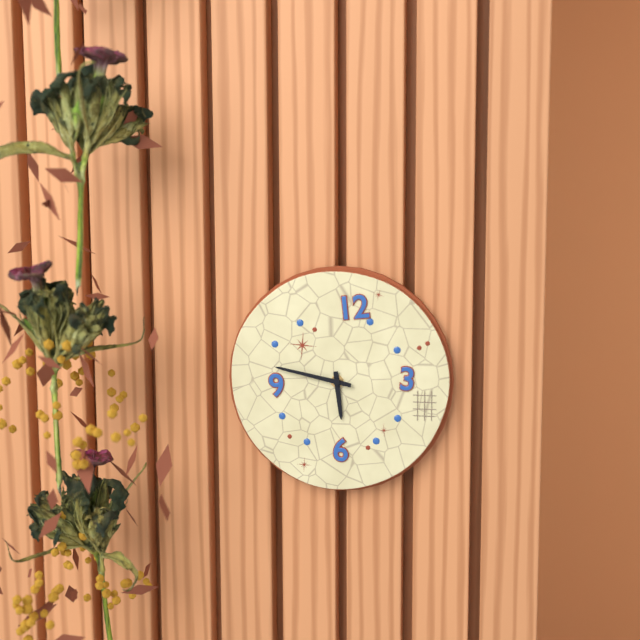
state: 5:47
